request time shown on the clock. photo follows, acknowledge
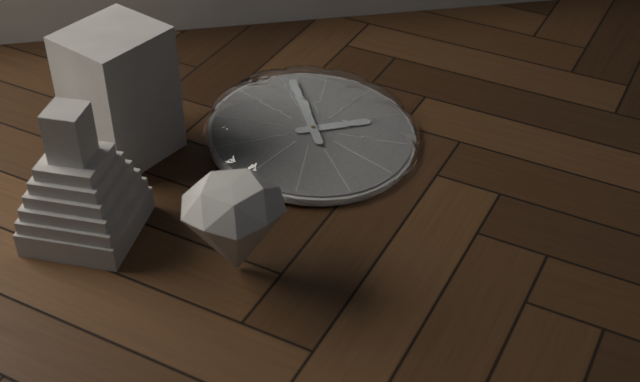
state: 4:06
